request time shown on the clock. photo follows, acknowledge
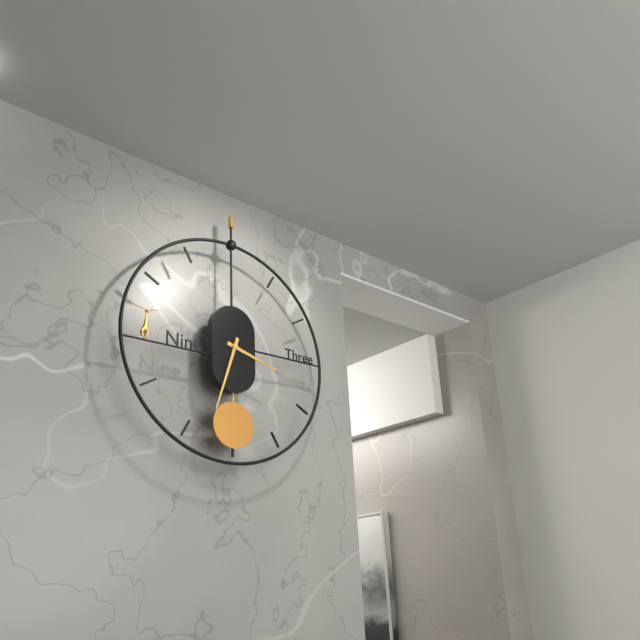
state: 3:33
